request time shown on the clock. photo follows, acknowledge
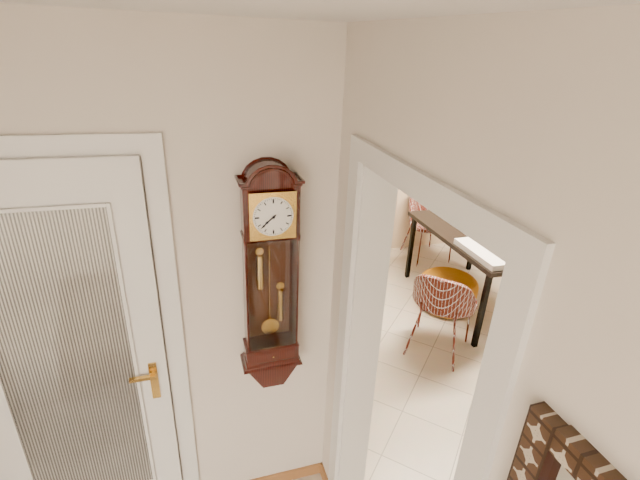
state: 7:38
